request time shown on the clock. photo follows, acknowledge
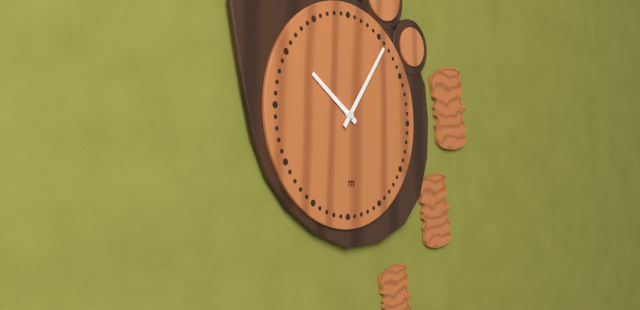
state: 10:06
